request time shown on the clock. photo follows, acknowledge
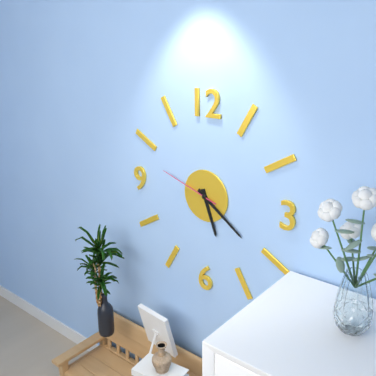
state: 5:21:48
